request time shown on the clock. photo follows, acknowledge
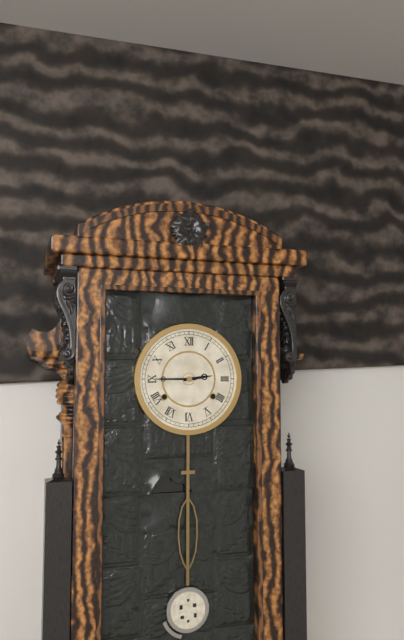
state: 2:45
